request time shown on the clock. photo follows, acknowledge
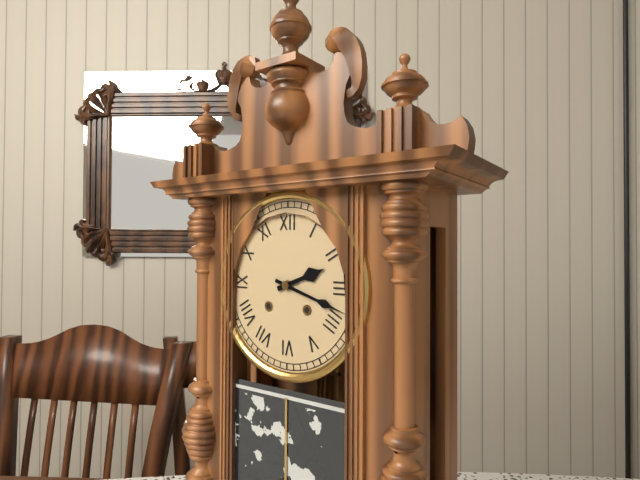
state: 2:18
